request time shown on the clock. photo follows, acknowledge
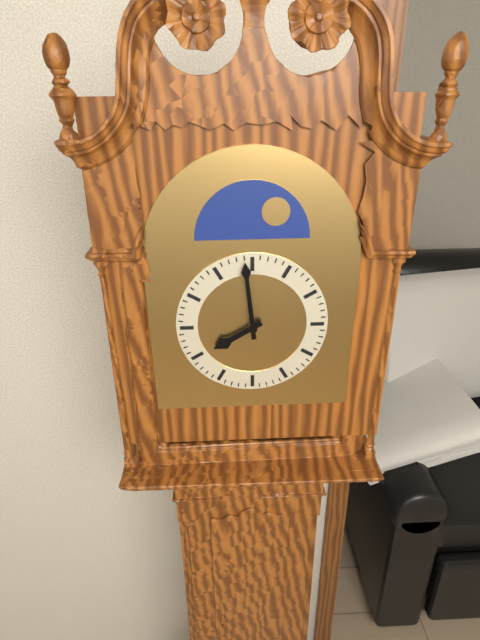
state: 7:59
